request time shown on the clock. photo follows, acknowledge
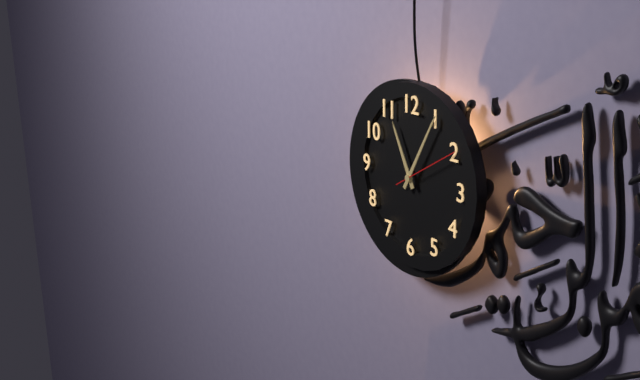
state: 11:05:10
